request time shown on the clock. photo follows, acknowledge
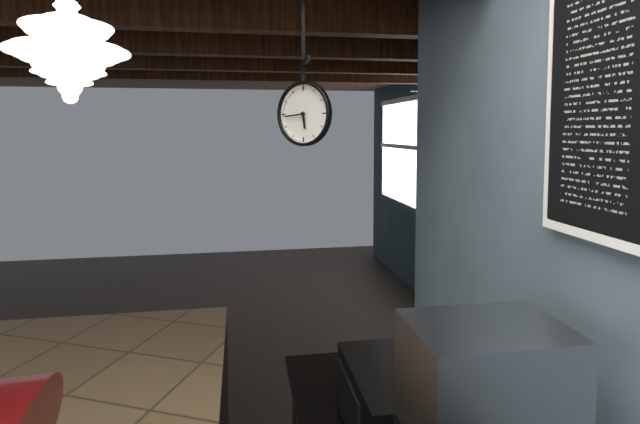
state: 5:44
